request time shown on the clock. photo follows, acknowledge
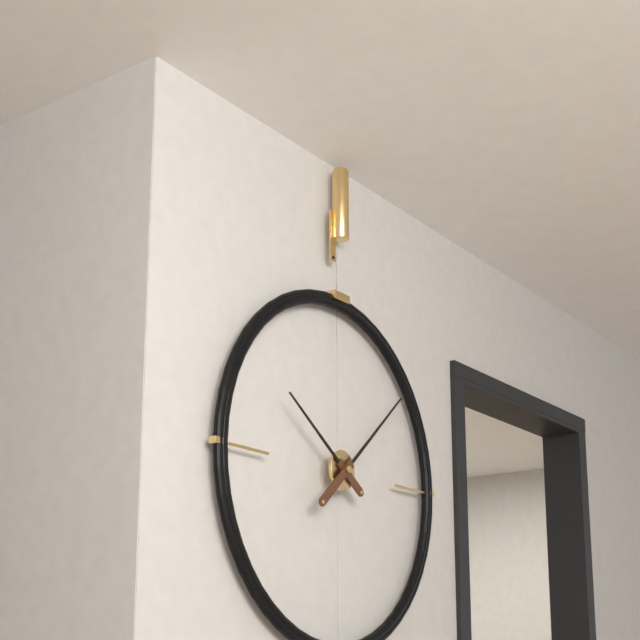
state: 10:08
